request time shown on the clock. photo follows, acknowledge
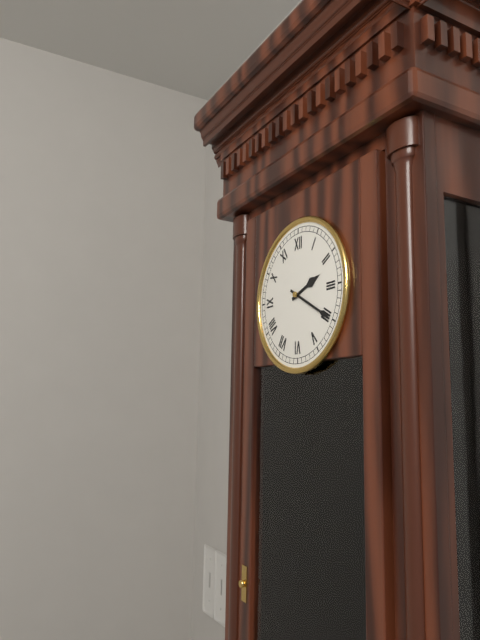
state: 2:20
